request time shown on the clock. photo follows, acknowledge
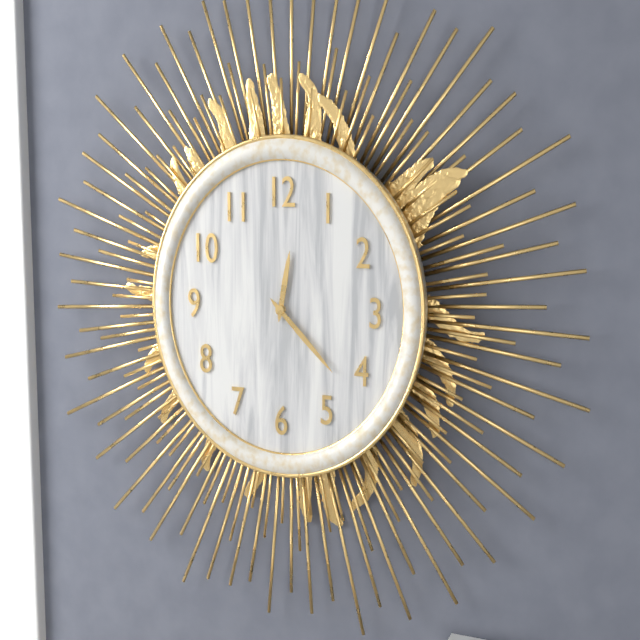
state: 12:22
